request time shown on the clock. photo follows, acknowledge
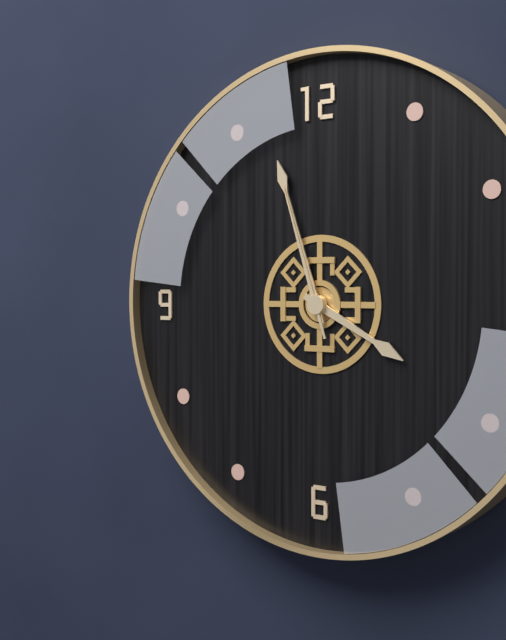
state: 3:57:57
